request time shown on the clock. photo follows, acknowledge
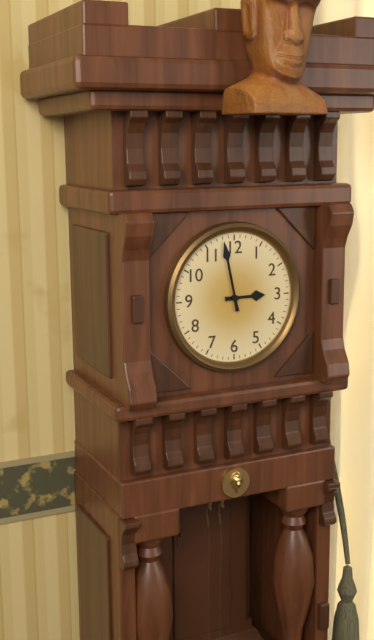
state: 2:58
